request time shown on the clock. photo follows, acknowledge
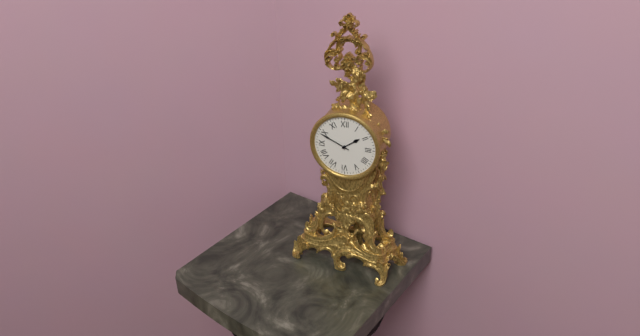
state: 1:49
